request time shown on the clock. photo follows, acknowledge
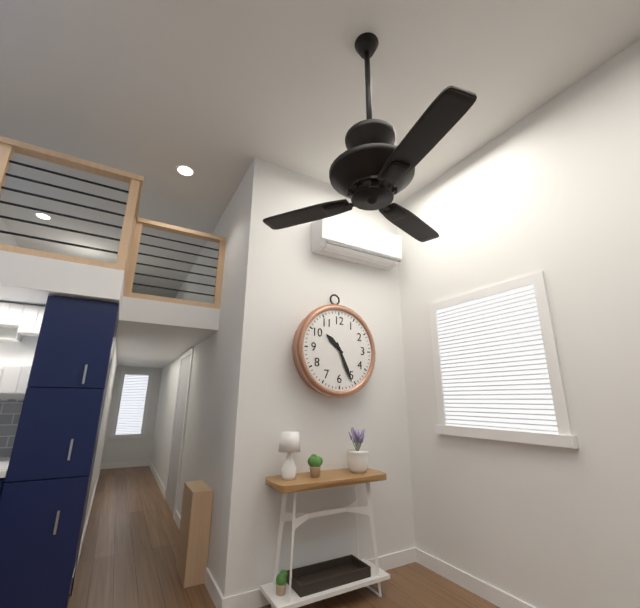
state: 10:26
